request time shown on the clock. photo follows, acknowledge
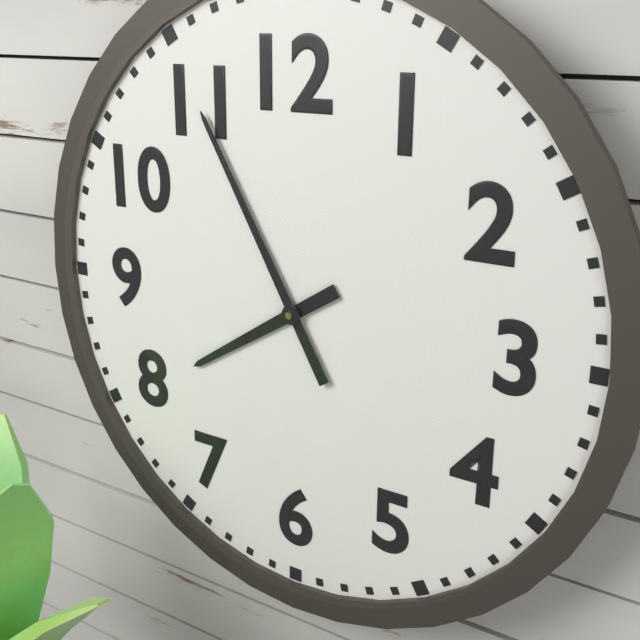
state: 7:55
